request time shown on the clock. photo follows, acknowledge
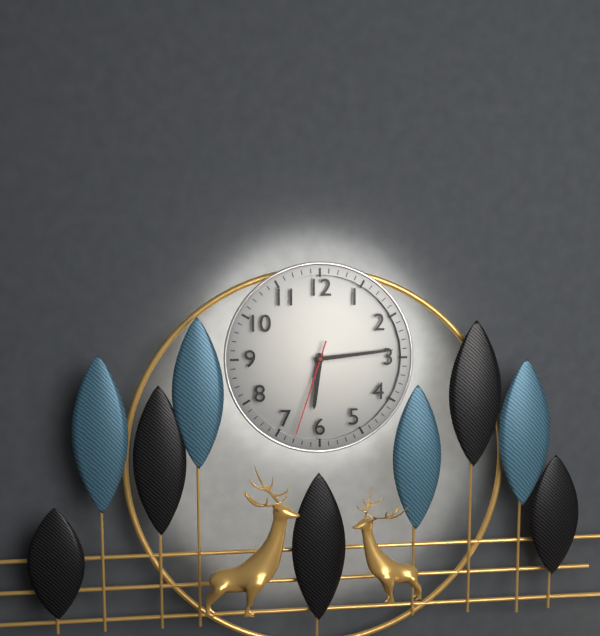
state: 6:14:33
